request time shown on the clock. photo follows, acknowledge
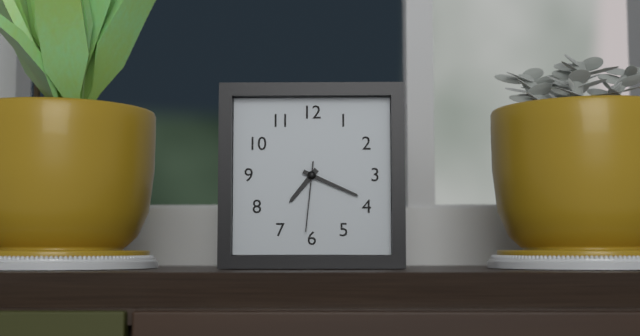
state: 7:19:31
